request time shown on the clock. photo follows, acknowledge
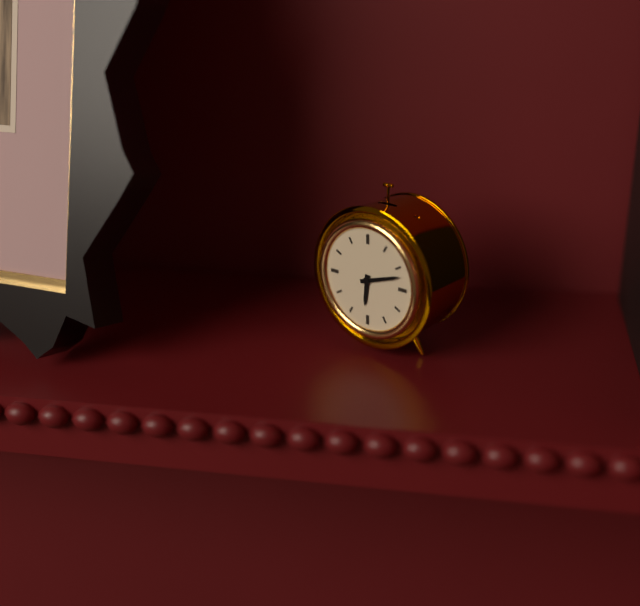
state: 6:12
